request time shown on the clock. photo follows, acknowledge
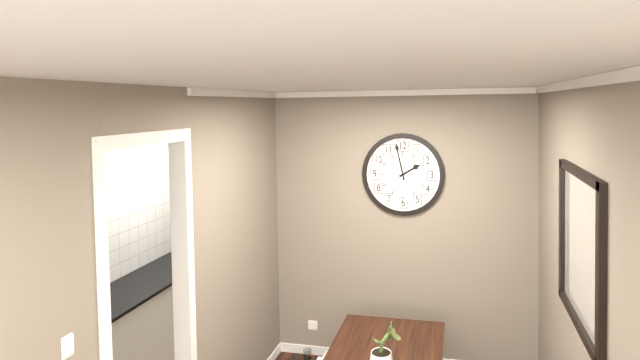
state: 1:58
